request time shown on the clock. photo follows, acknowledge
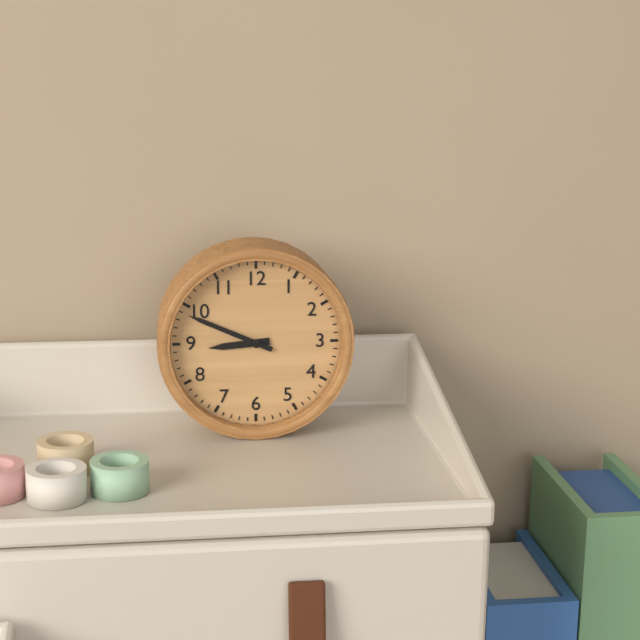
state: 8:49
